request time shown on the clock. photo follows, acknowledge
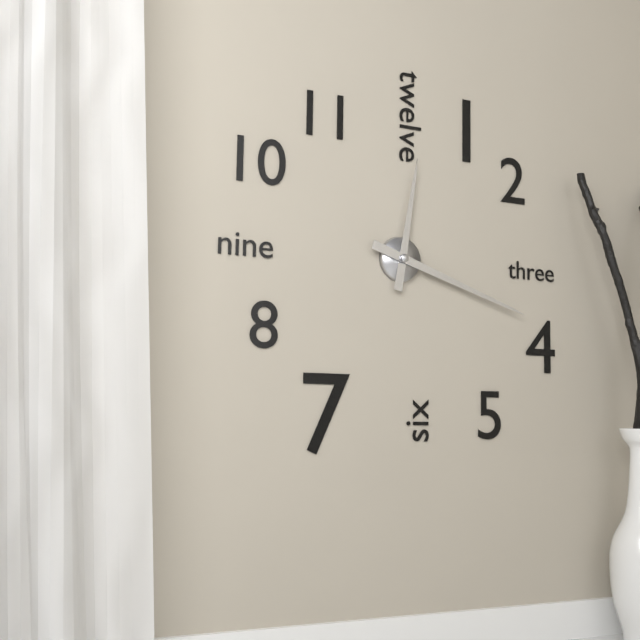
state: 12:18
